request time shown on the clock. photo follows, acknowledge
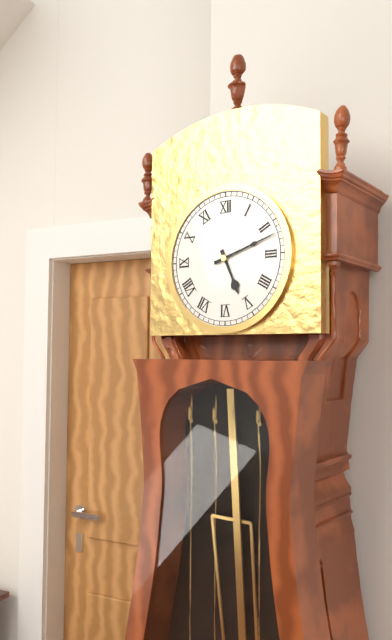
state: 5:12
